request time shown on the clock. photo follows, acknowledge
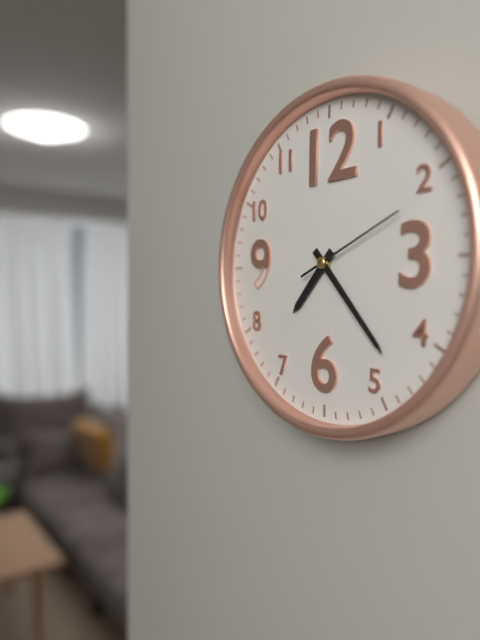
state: 7:23:11
